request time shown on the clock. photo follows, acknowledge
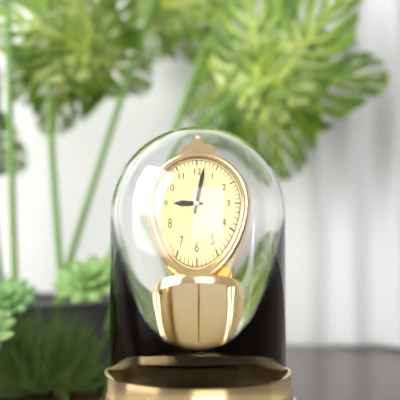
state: 9:02
